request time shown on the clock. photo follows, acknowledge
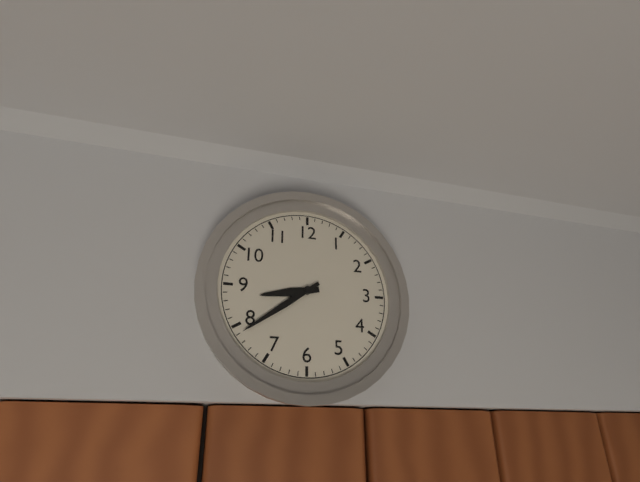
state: 8:39
